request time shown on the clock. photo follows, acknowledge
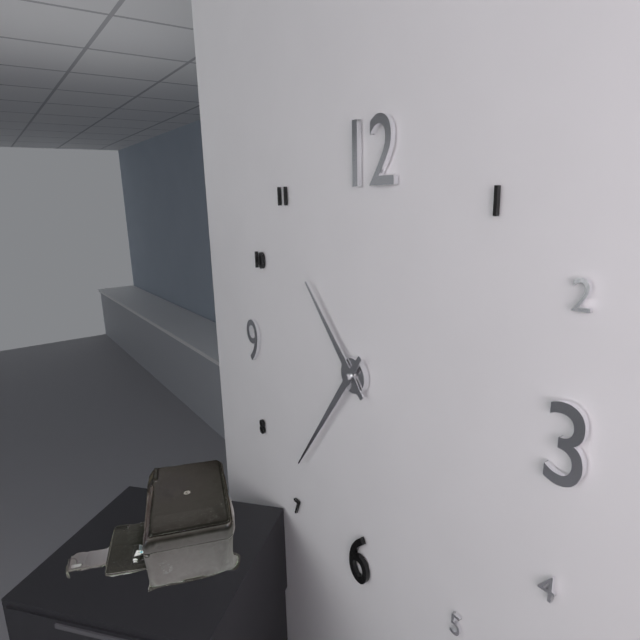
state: 10:36
